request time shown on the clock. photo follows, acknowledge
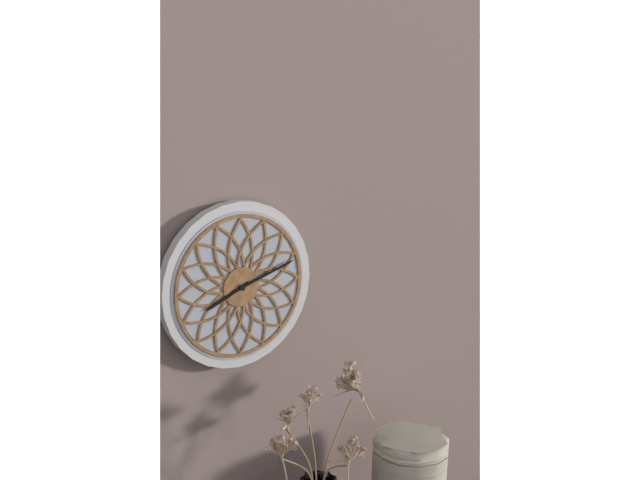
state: 8:12
